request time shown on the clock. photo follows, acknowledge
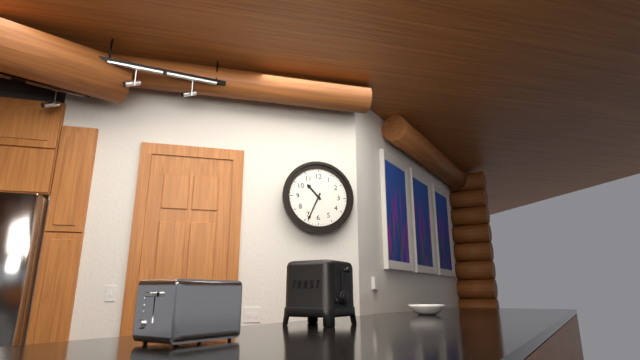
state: 10:34
